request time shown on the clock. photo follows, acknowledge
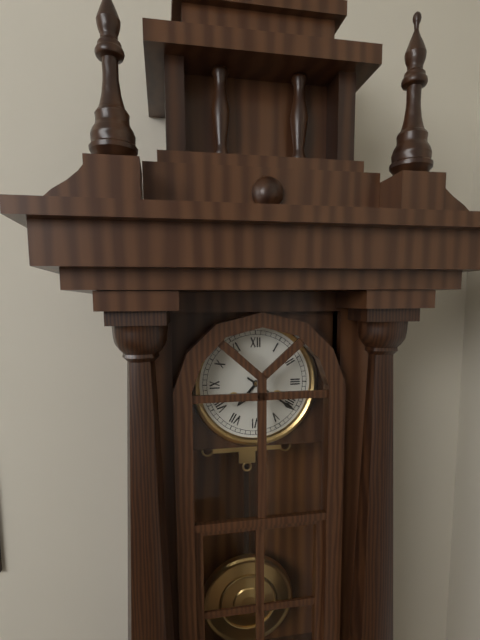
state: 7:21
